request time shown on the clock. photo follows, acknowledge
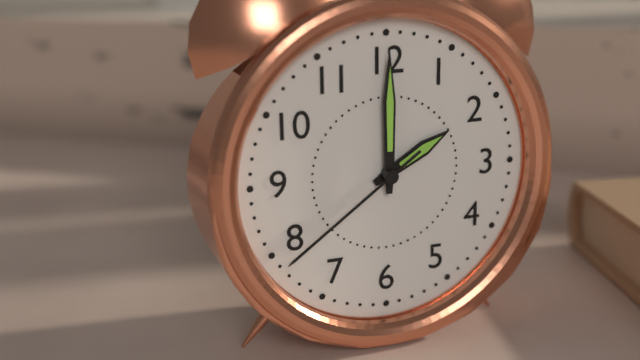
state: 2:00:39
